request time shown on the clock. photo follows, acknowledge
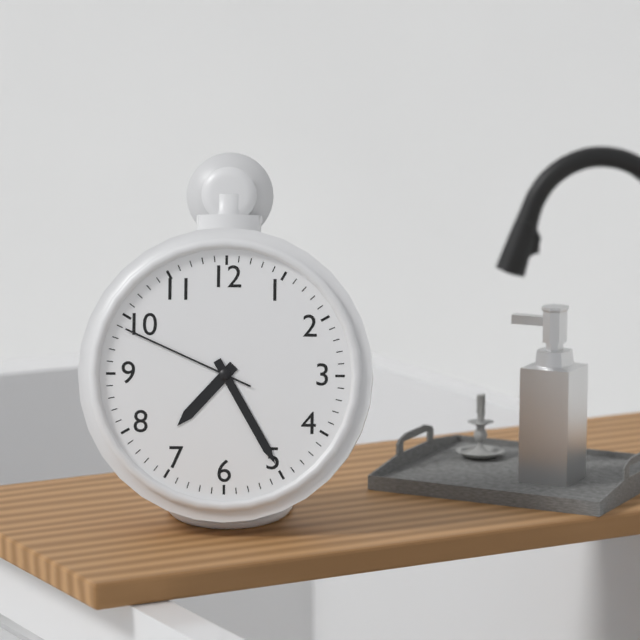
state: 7:25:49
